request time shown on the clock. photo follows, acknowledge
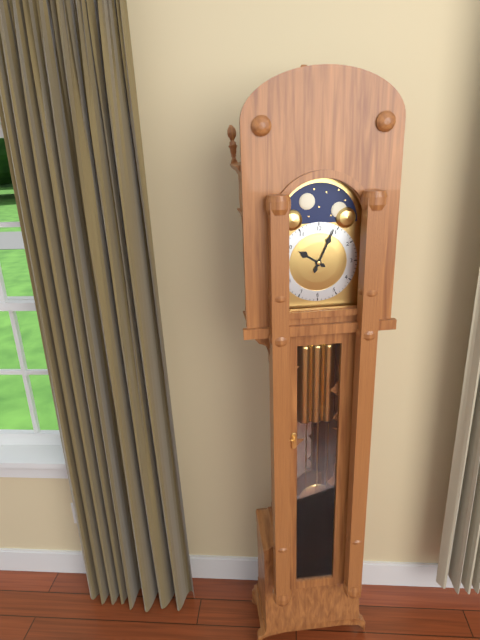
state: 10:04
